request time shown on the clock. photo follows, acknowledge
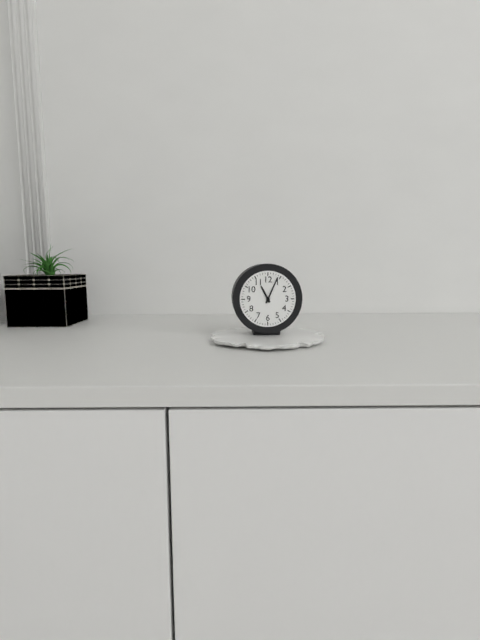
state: 11:04
